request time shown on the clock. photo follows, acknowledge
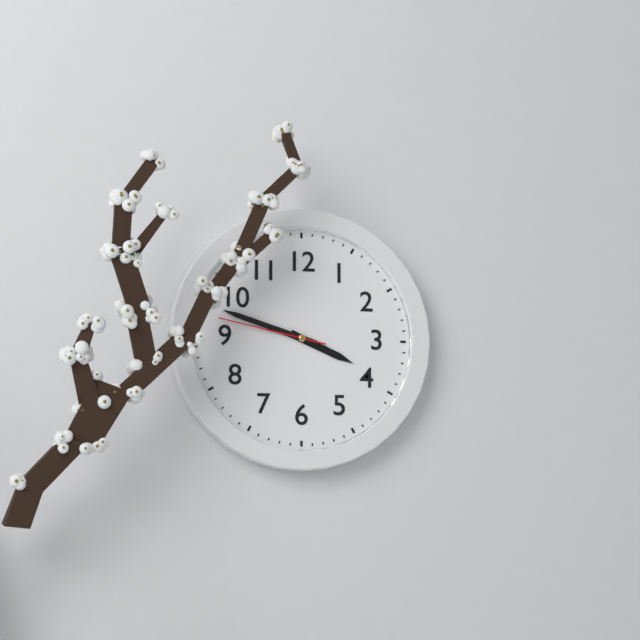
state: 3:48:47
